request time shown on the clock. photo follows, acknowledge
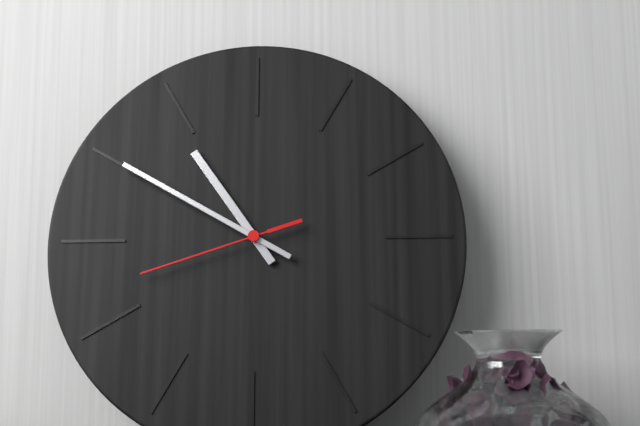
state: 10:50:42
